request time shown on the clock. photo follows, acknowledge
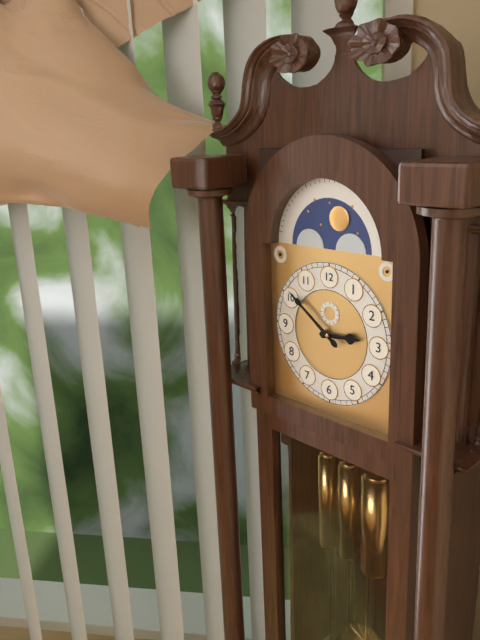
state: 2:51
